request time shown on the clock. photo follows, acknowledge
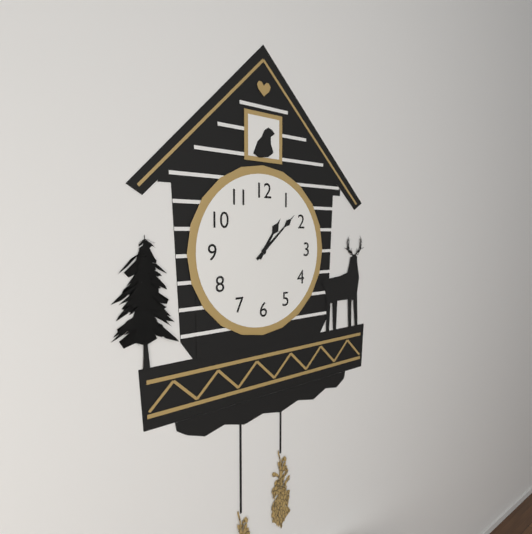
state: 1:08
